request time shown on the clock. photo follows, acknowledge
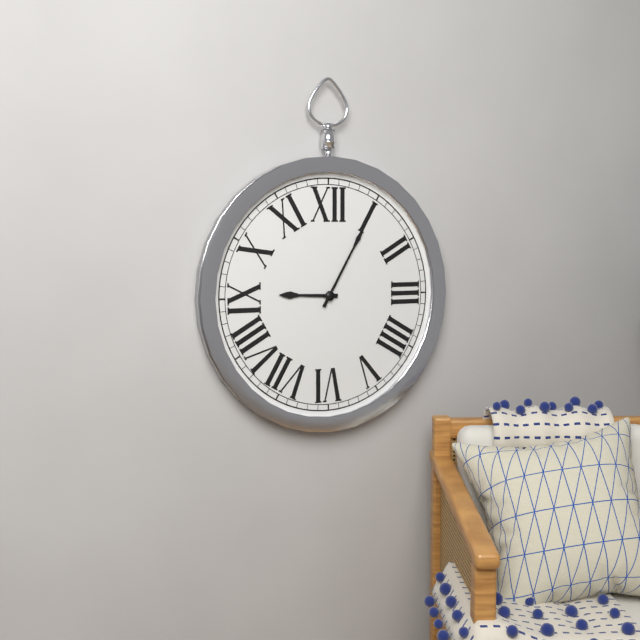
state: 9:05
